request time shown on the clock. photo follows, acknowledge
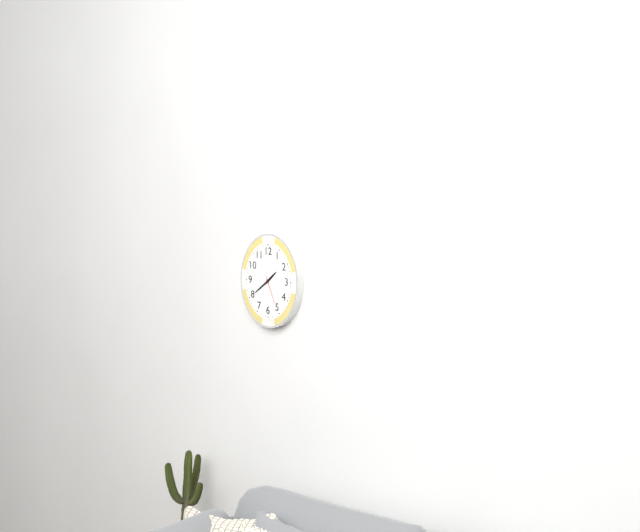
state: 1:39
